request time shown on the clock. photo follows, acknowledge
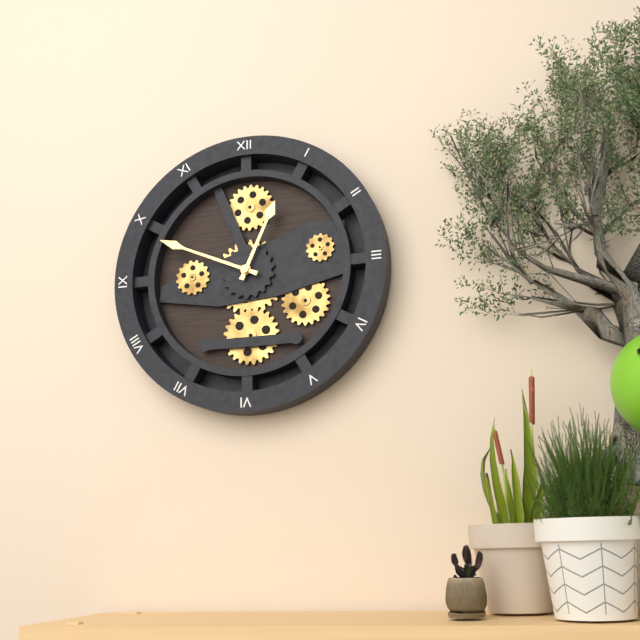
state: 12:49
